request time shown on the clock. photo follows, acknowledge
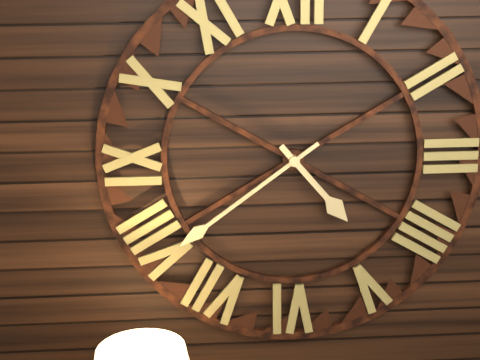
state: 4:39
